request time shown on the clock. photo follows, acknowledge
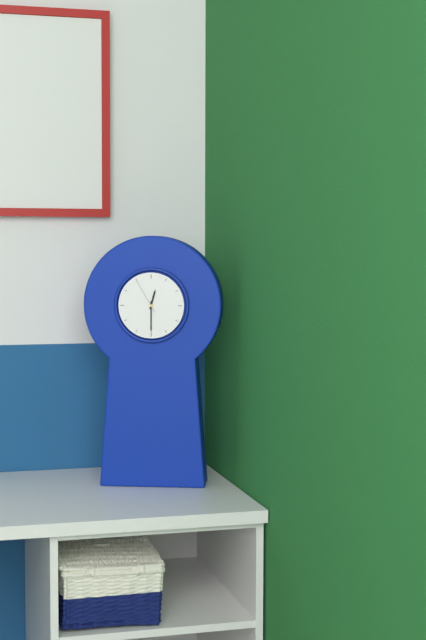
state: 12:30
